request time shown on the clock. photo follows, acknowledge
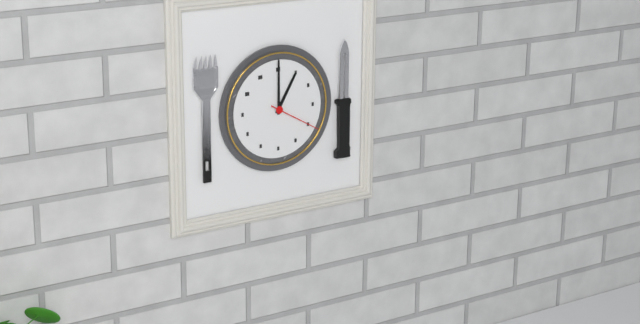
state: 1:00:20
